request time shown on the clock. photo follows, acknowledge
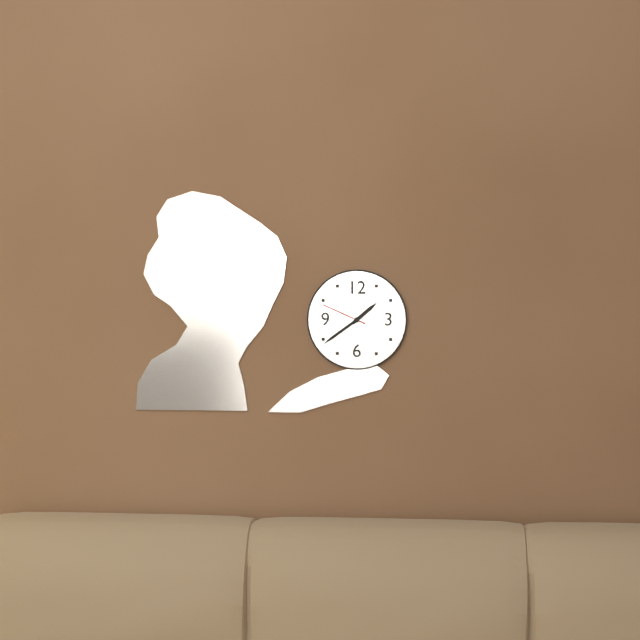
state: 1:39
